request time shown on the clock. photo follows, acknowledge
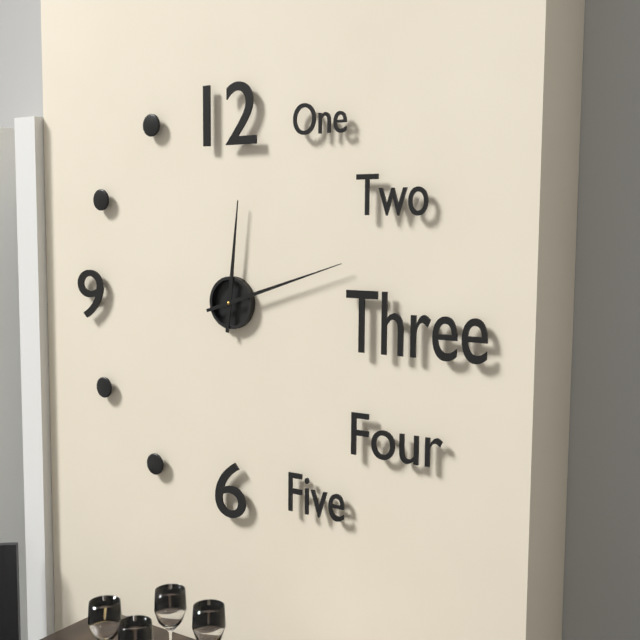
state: 12:12
